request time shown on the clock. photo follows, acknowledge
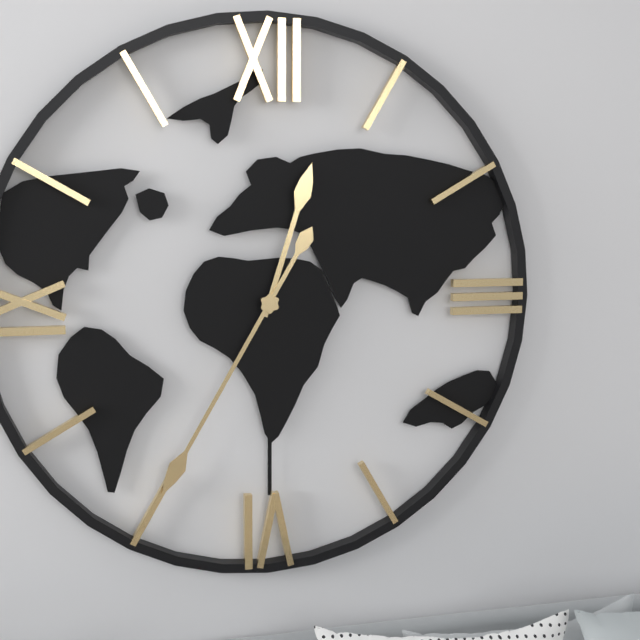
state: 12:35
